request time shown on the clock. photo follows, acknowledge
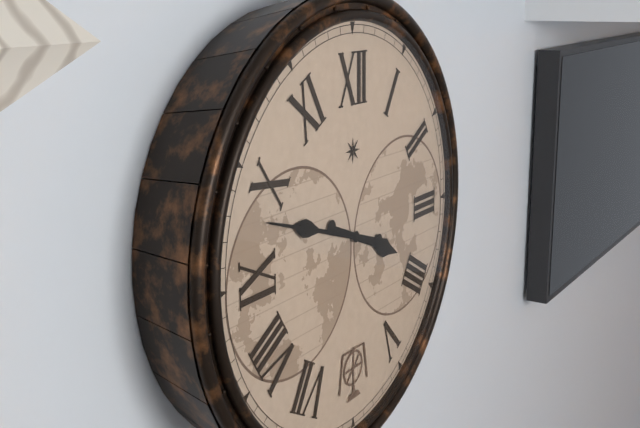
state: 3:48
